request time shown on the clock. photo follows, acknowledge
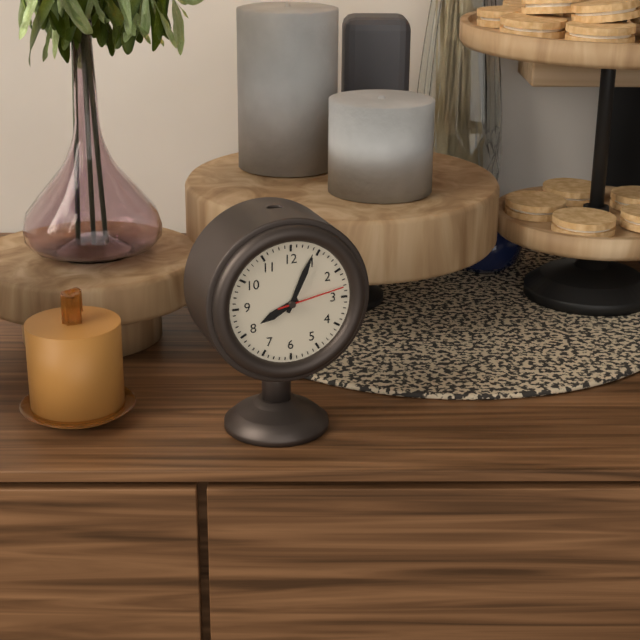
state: 8:04:13
